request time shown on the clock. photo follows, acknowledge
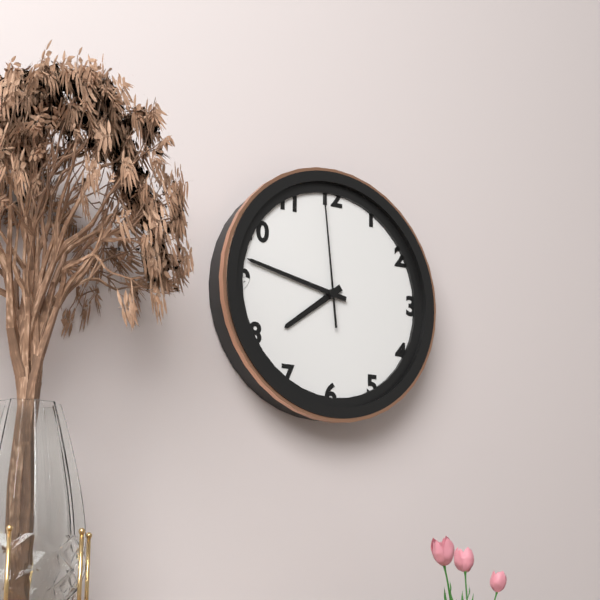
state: 7:47:59
